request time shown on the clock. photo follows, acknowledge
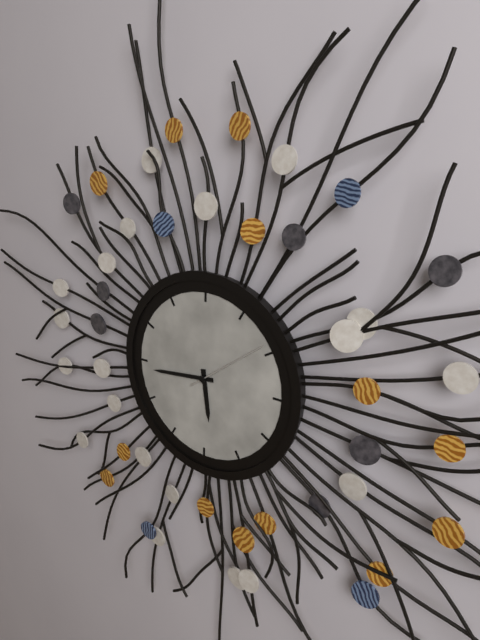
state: 5:44:09
